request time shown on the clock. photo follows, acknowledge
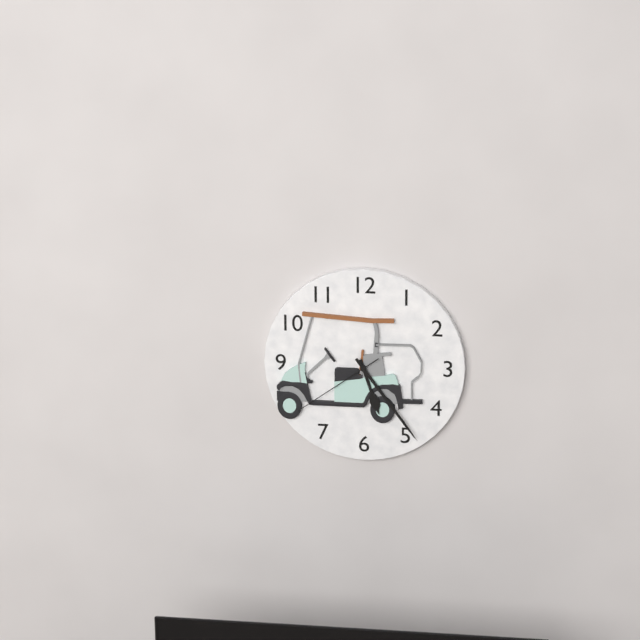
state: 5:24:39
